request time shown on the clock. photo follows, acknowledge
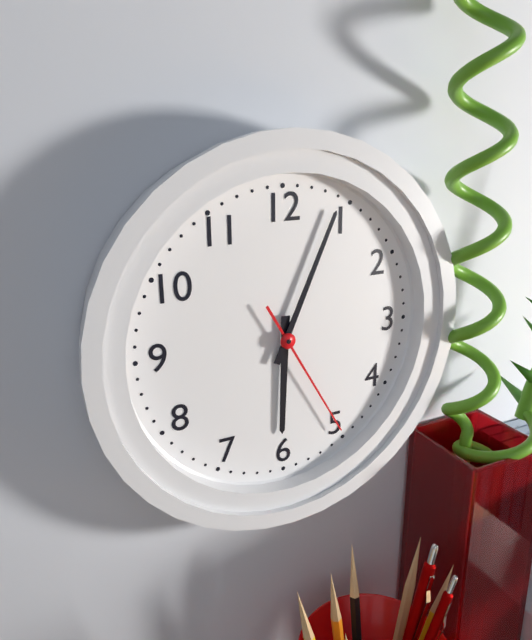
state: 6:04:25
